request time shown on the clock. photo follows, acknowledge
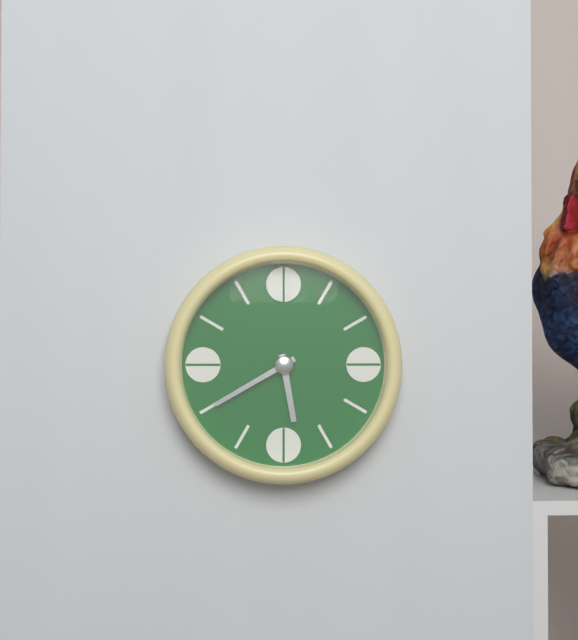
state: 5:40
